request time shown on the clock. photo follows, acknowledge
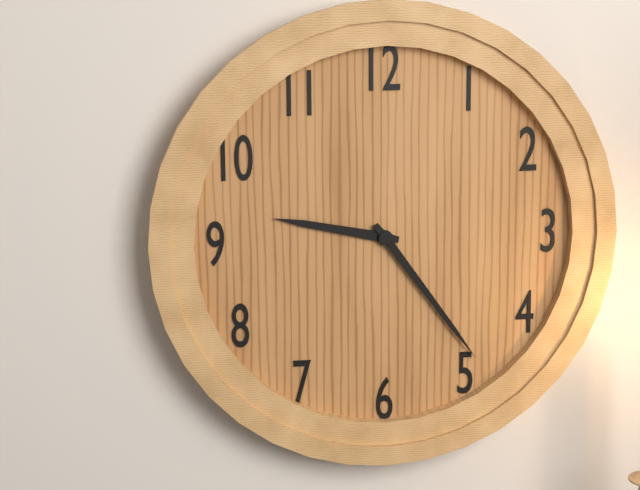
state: 9:24
